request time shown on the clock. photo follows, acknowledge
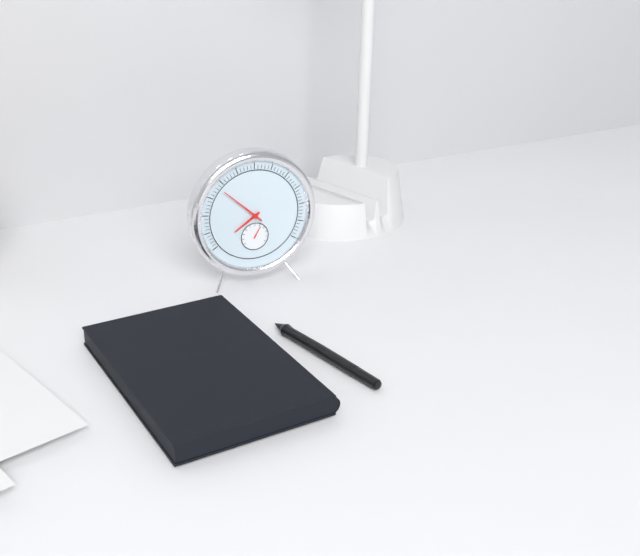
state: 7:52
